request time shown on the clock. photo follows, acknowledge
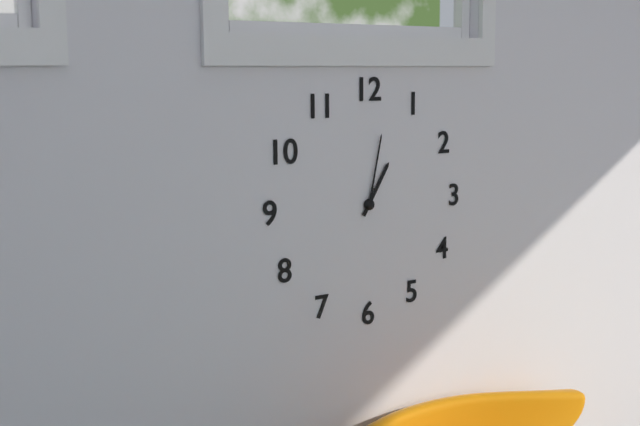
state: 1:02
